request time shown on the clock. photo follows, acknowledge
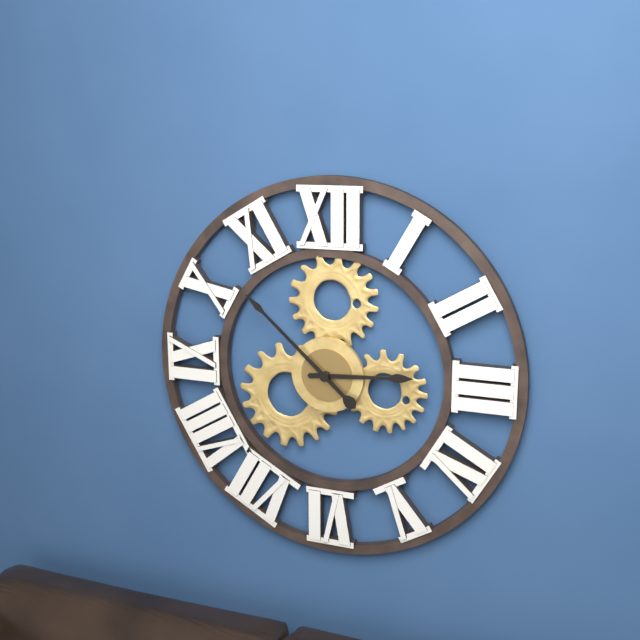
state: 2:52
